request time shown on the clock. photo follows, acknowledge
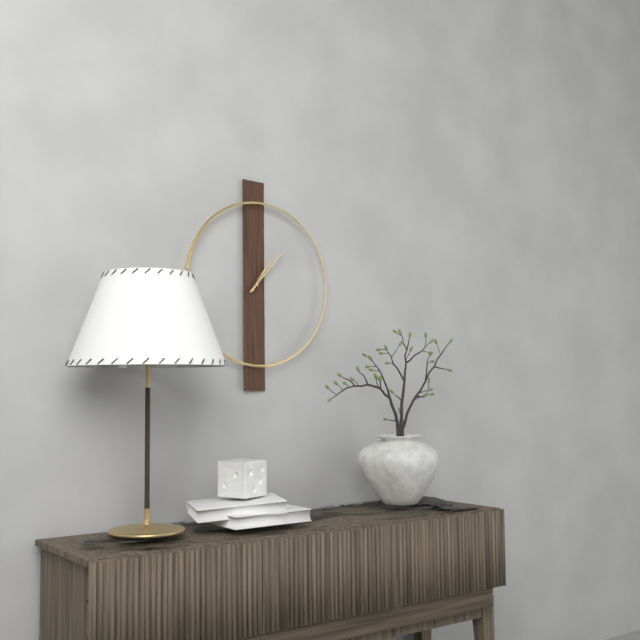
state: 1:07
